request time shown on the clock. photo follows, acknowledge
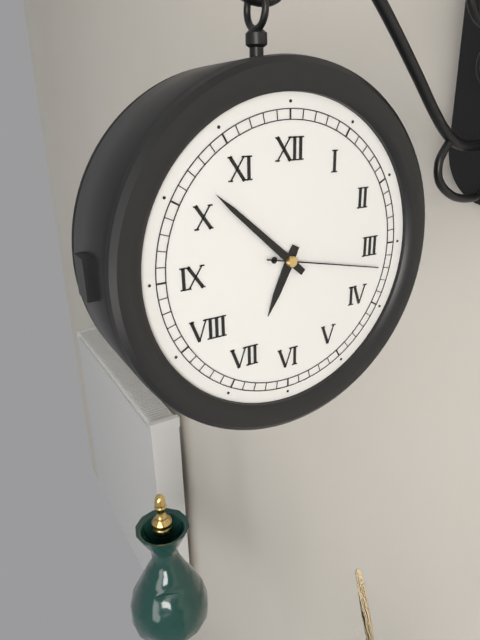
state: 6:52:17
